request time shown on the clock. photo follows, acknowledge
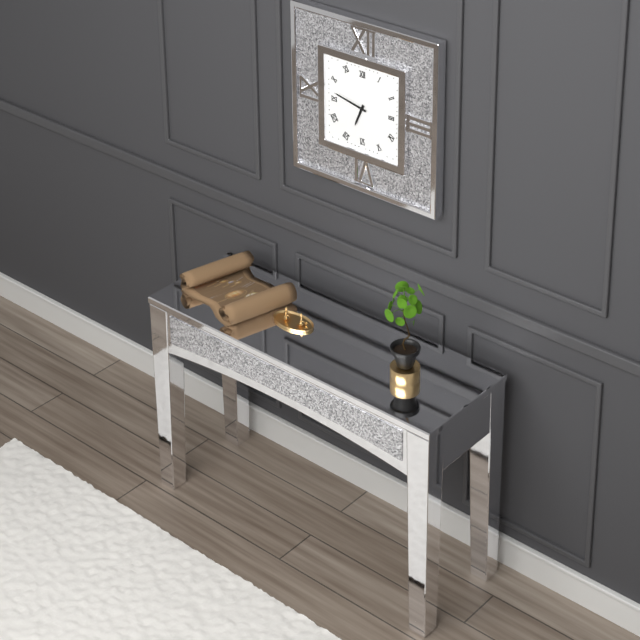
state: 6:47
